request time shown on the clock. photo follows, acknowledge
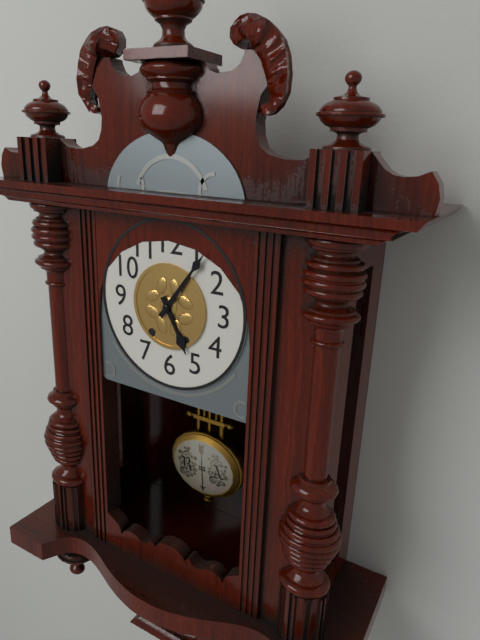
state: 5:06
